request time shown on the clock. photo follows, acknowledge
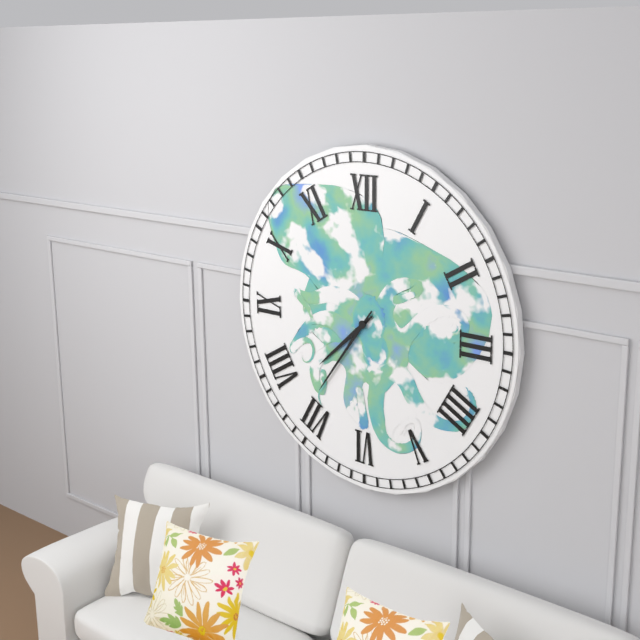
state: 7:36
